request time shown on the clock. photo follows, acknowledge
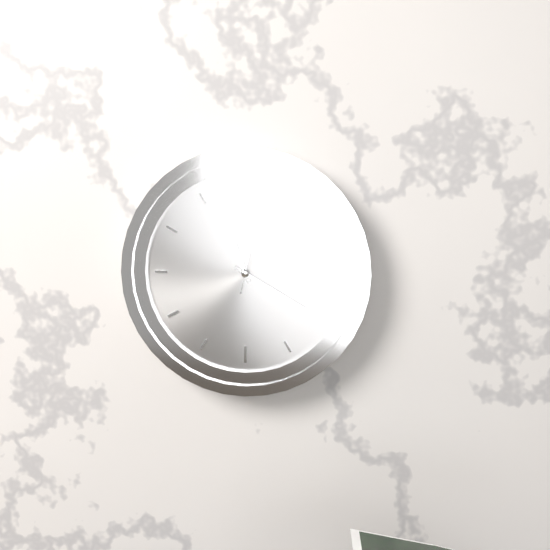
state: 11:20:02
